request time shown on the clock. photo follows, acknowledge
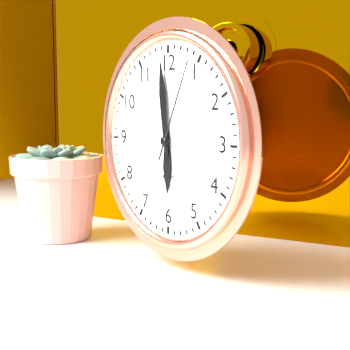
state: 5:59:04
